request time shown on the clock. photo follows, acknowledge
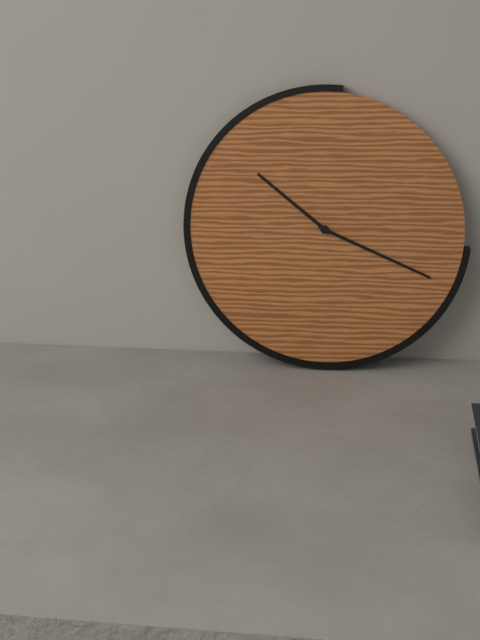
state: 10:19
